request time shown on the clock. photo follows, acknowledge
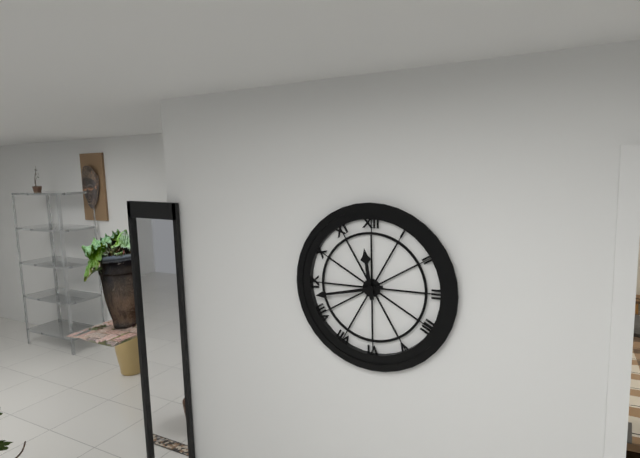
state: 11:43
